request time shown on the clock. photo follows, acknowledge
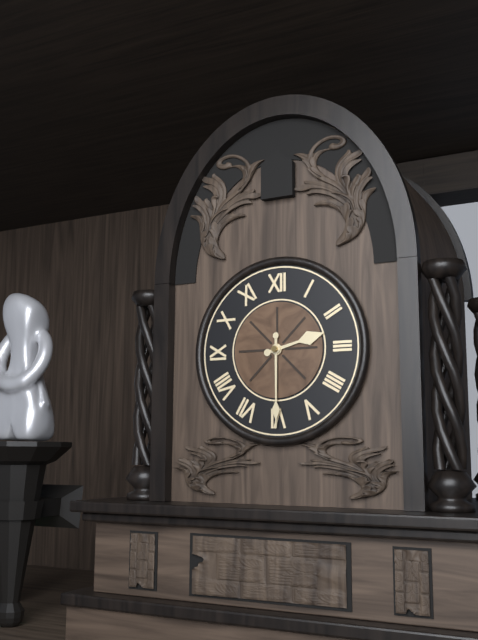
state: 2:30
